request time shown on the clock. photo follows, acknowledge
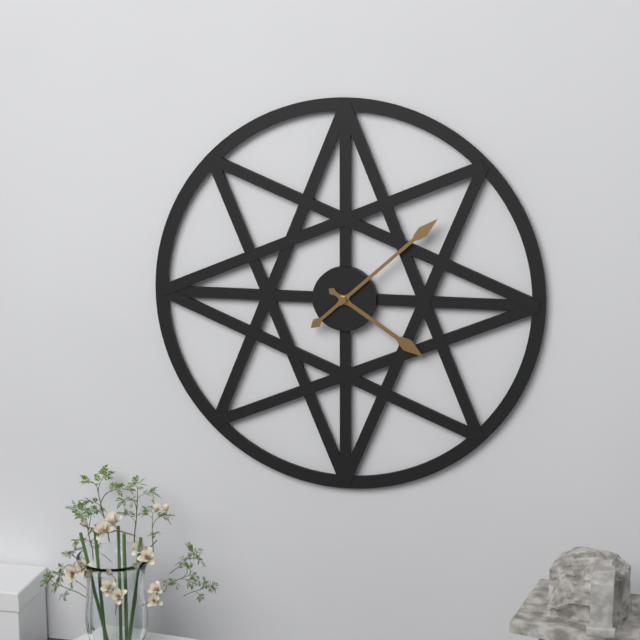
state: 4:08
